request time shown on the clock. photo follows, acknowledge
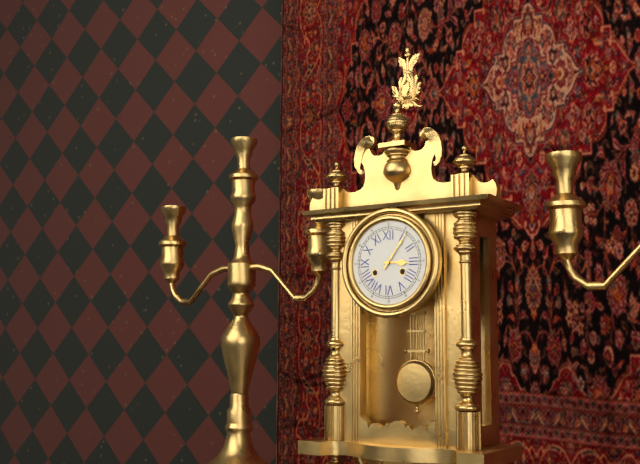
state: 3:06
